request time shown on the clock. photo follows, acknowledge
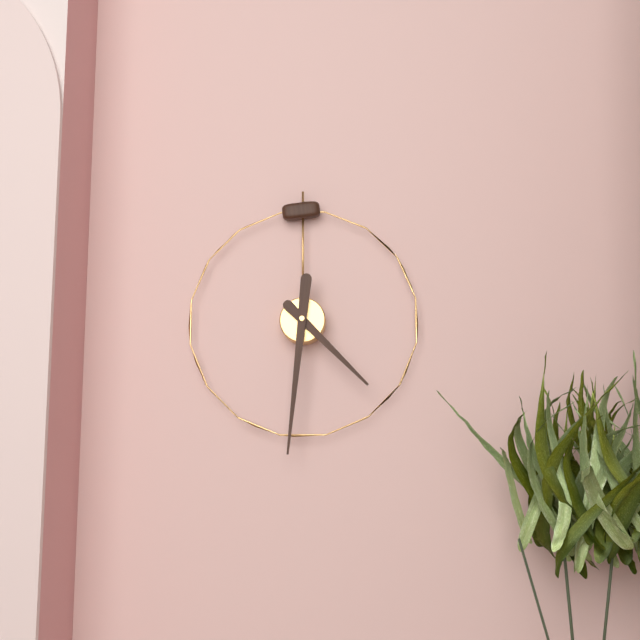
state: 4:31
